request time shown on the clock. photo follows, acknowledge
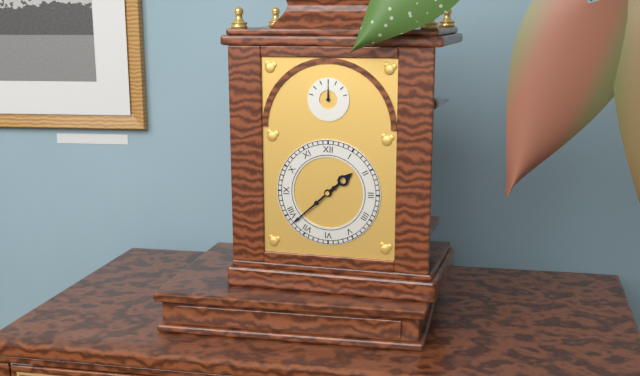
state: 1:38
